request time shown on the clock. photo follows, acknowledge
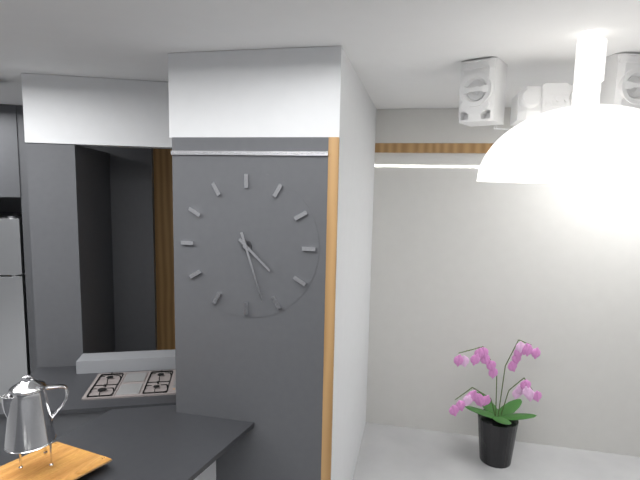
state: 4:27
